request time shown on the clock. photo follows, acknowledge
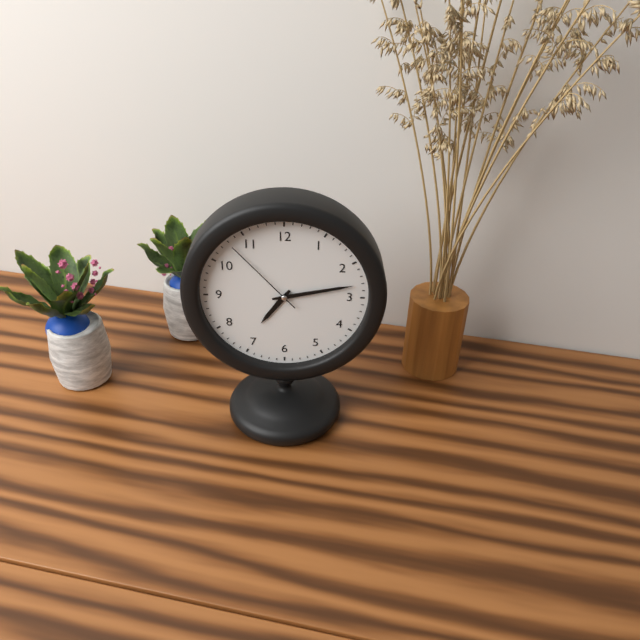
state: 7:13:53
